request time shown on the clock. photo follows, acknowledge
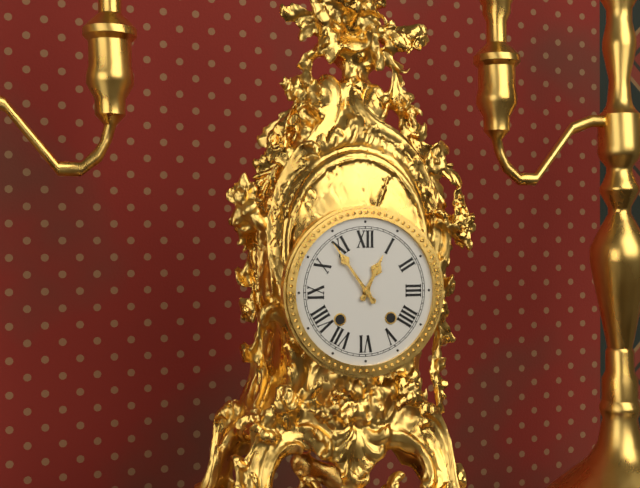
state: 12:54
